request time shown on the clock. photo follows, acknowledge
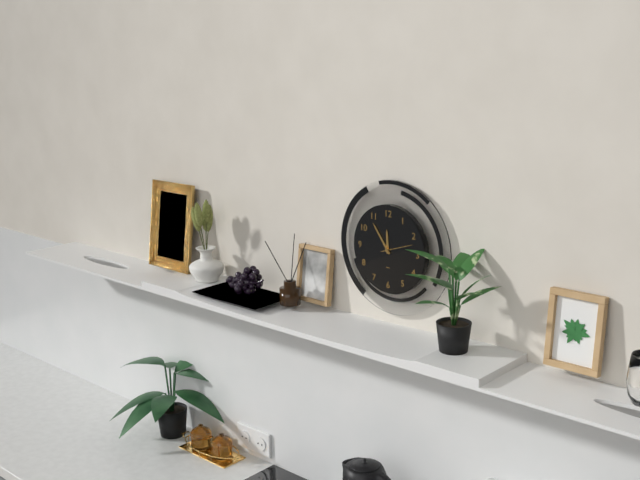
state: 11:54
